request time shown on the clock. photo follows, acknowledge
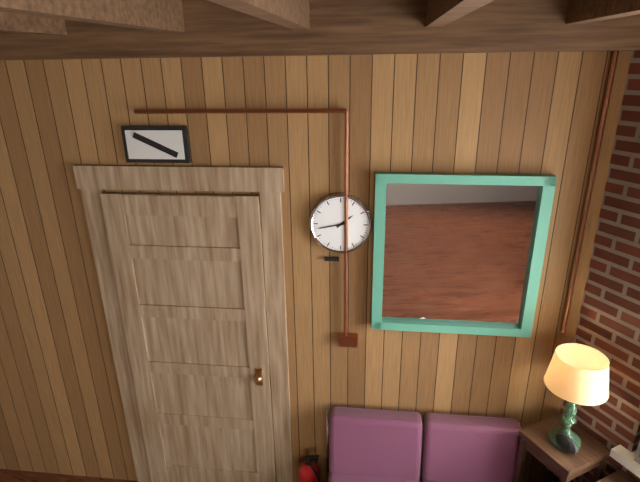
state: 1:43
